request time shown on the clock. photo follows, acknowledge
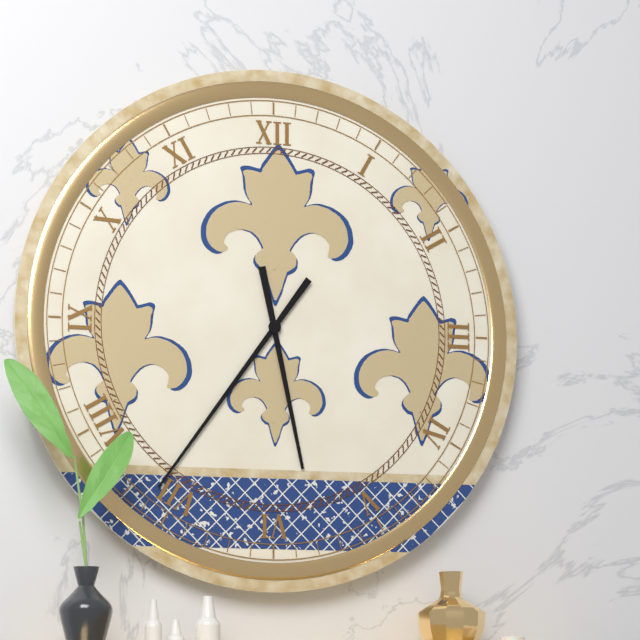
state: 5:36
